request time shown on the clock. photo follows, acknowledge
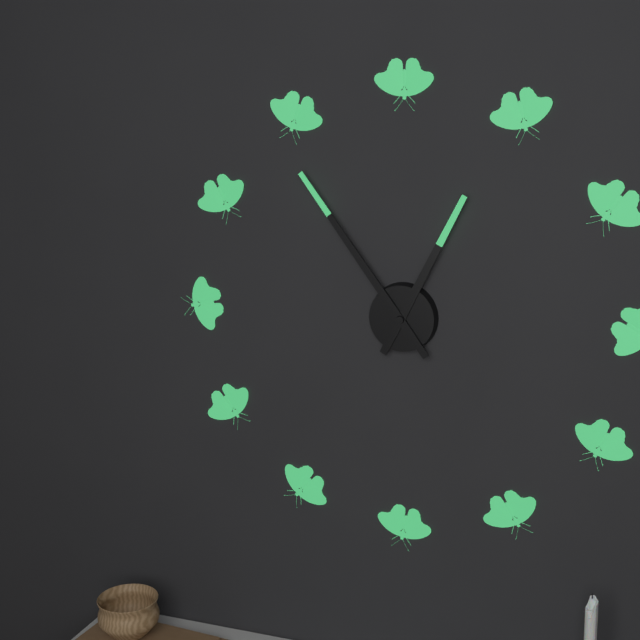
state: 12:54
